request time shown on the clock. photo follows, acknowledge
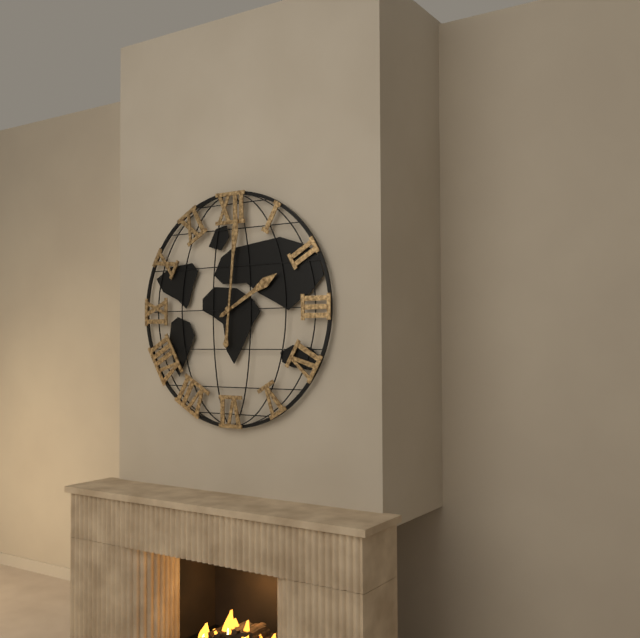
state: 2:01
